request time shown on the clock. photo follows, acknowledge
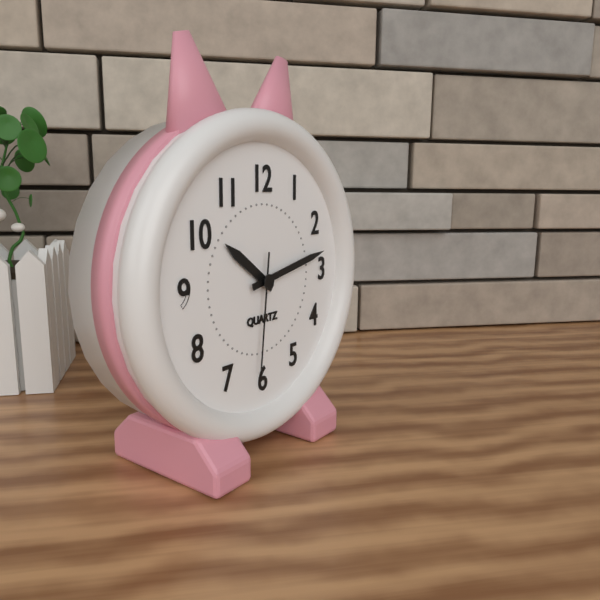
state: 10:13:31
